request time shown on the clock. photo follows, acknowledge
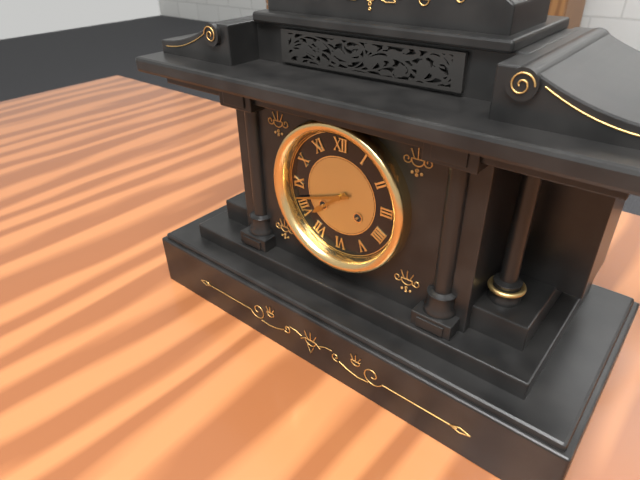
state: 7:42
